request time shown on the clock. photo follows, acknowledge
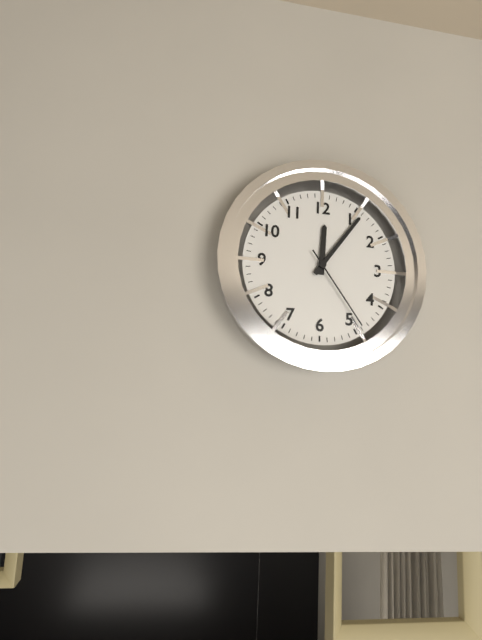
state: 12:06:24
